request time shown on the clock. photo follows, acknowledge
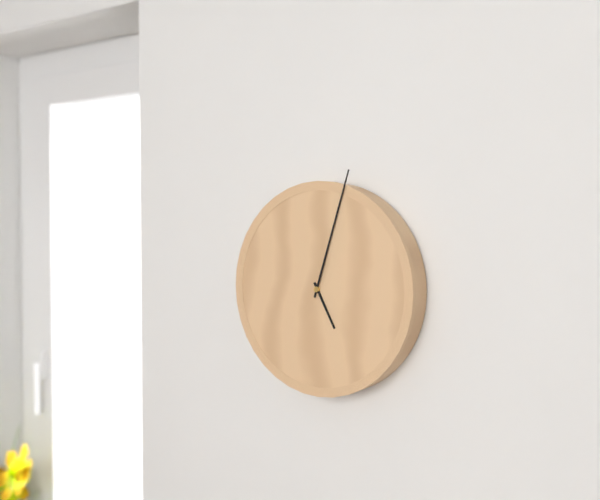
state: 5:03
